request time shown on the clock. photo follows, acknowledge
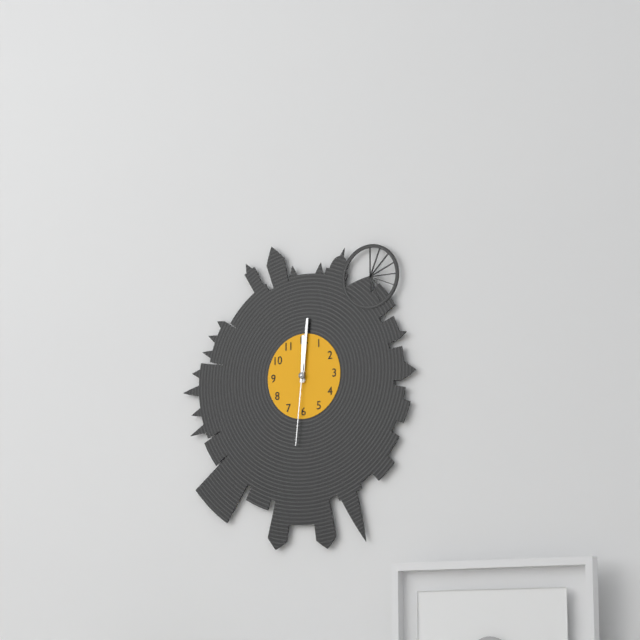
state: 12:01:31
